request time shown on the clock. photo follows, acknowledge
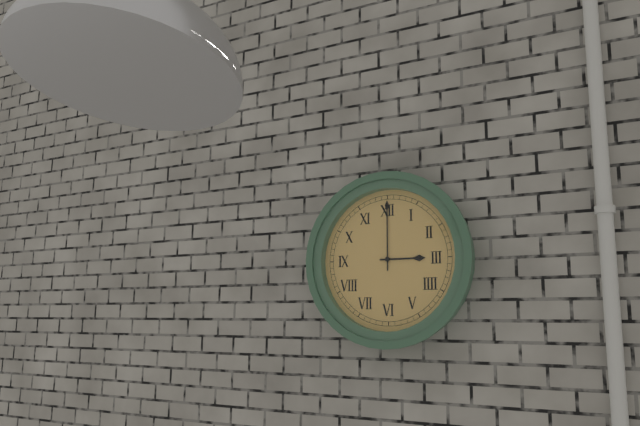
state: 3:00
